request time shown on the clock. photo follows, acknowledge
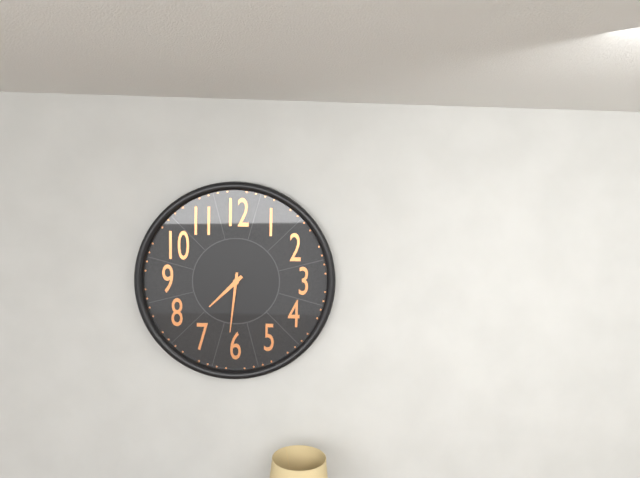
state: 7:31
